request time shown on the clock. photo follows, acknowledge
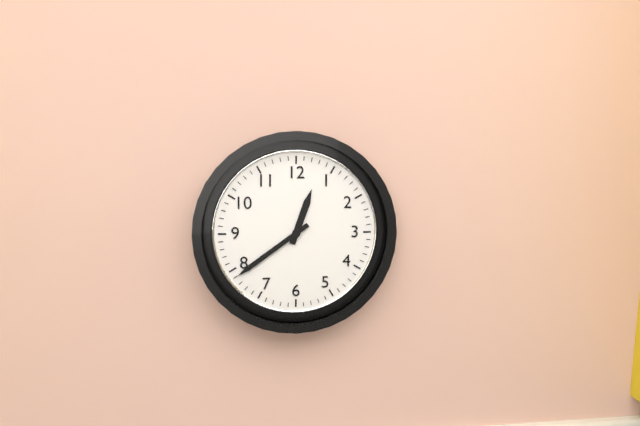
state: 12:39
